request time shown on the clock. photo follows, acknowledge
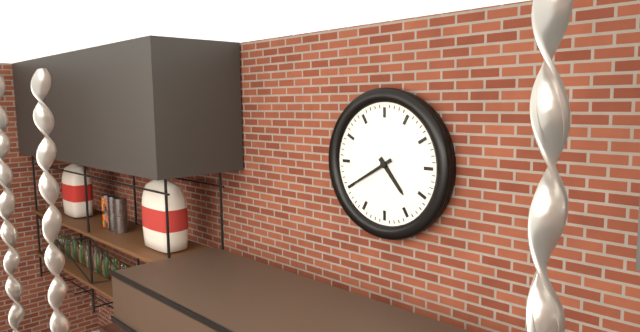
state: 4:40
